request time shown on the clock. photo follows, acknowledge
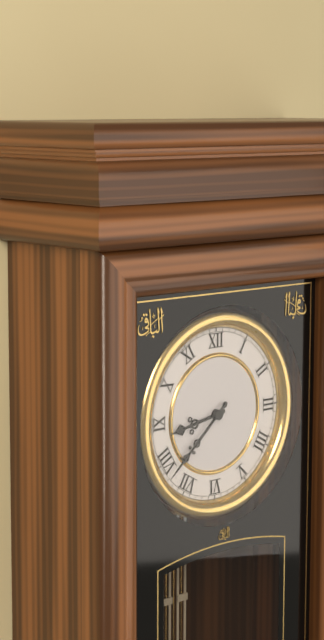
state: 8:38
